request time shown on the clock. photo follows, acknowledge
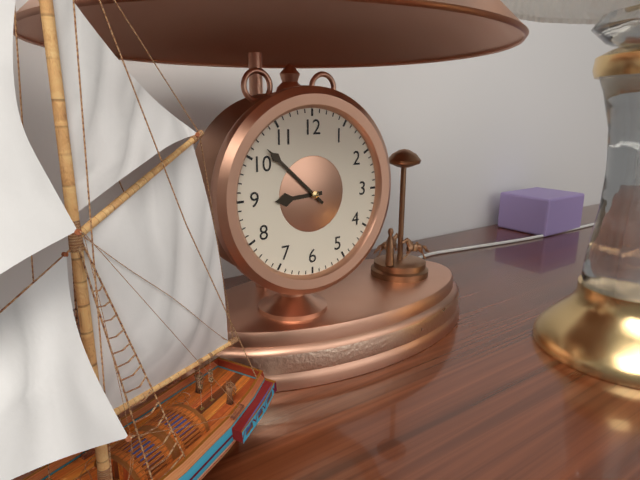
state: 8:52
